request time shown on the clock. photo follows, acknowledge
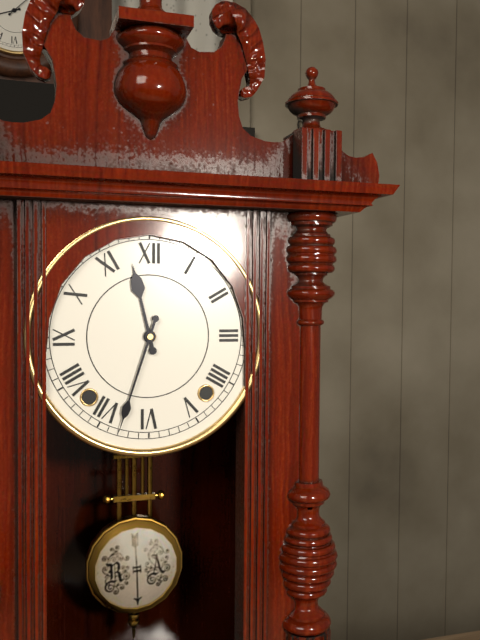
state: 11:33
